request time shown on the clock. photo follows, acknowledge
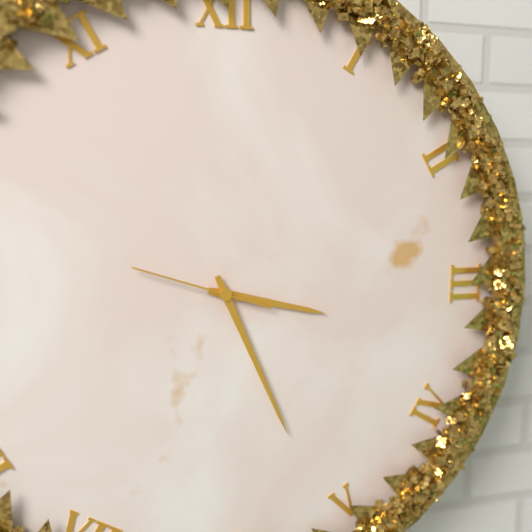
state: 3:26:48
